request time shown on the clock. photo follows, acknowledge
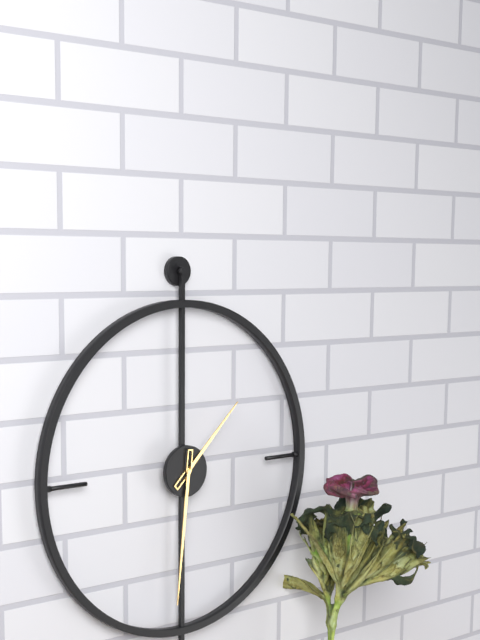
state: 1:31
